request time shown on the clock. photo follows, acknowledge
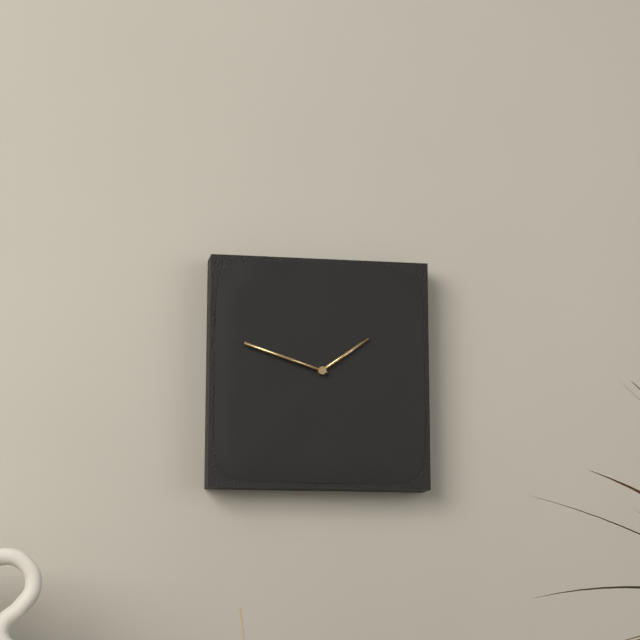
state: 1:48
